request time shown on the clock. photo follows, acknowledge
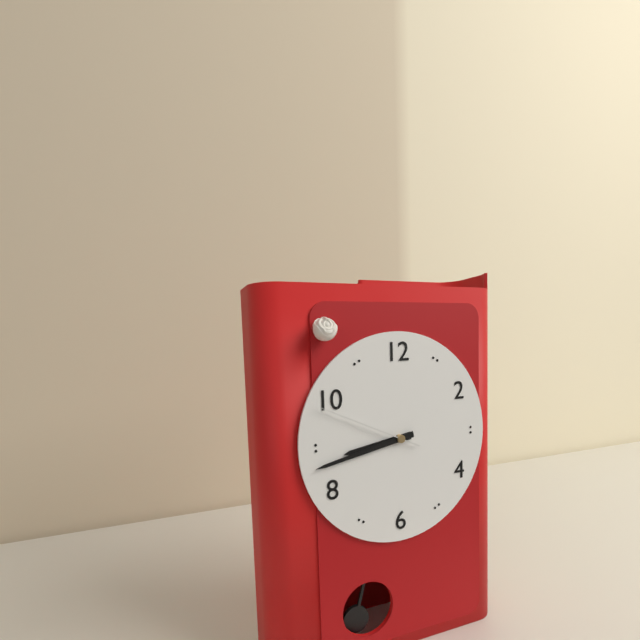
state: 8:43:49
